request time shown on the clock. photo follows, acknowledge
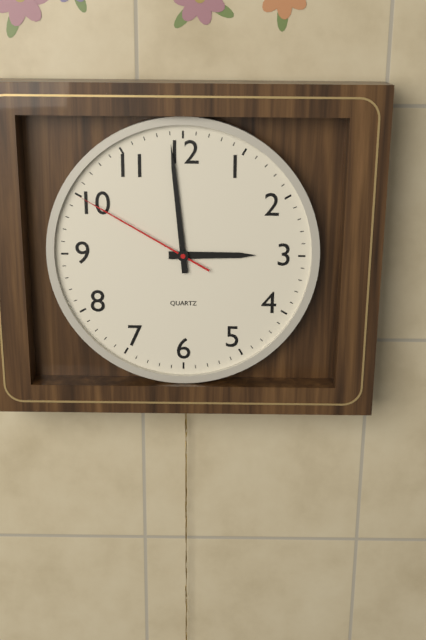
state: 2:59:50
